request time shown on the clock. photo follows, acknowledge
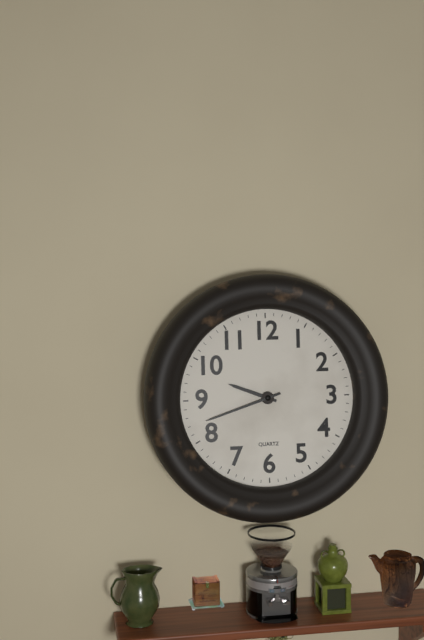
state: 9:42
